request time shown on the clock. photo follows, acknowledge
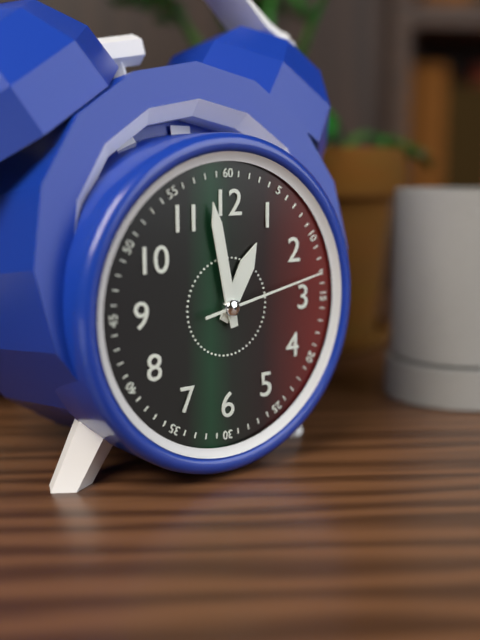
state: 12:58:13
